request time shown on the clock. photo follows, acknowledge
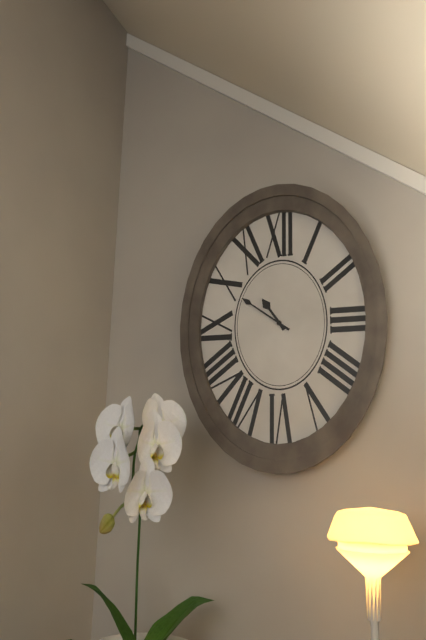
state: 10:51
